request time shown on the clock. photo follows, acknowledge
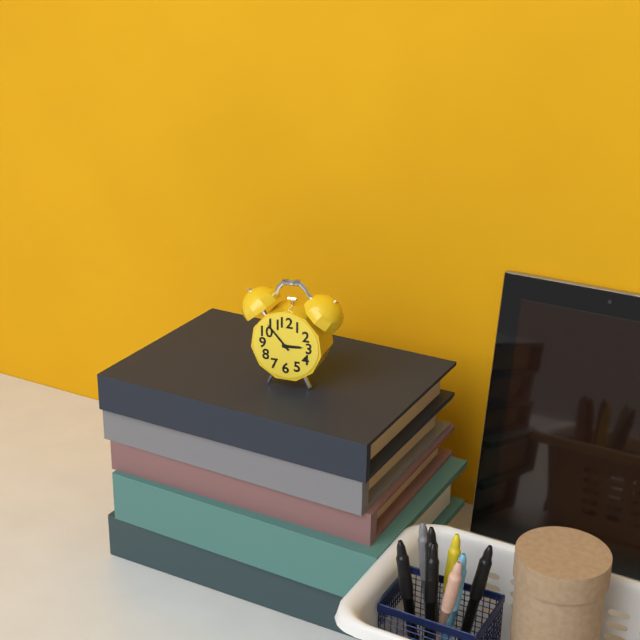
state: 2:53
